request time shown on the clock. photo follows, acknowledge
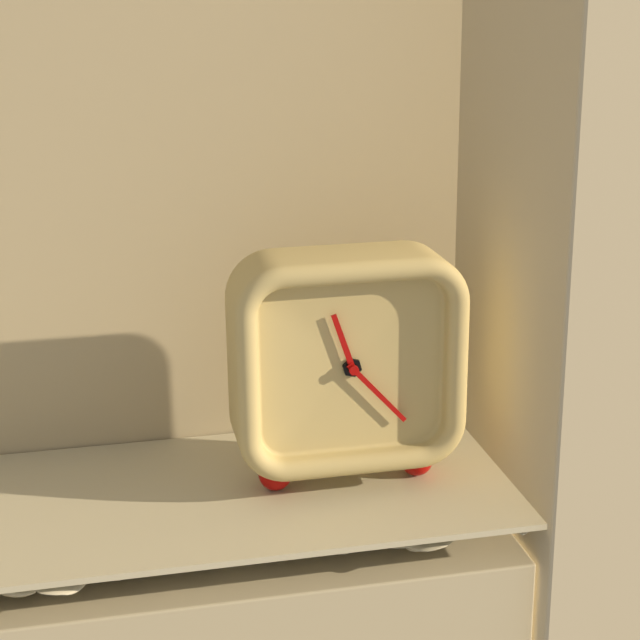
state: 11:23
